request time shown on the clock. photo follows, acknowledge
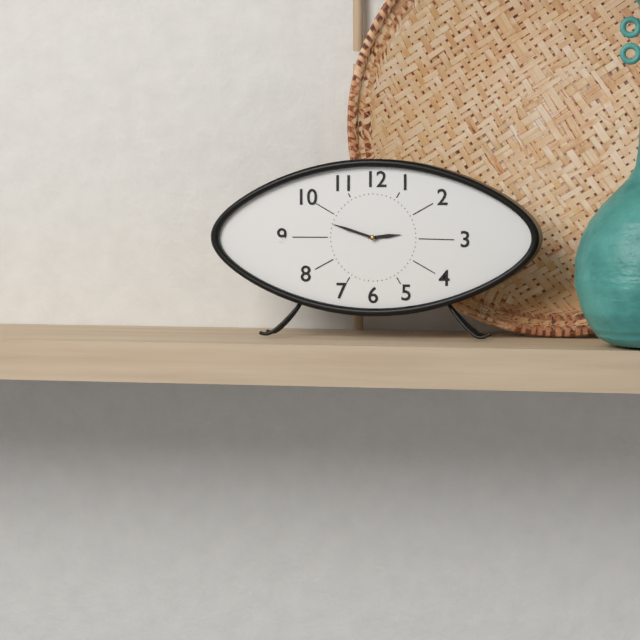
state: 2:48
